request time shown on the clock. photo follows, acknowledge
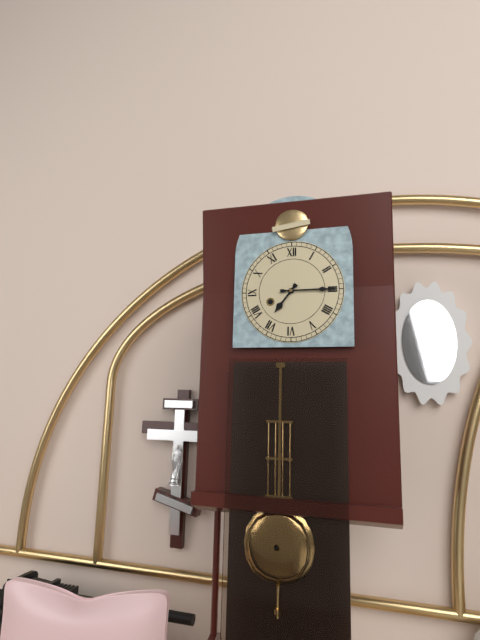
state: 7:15
